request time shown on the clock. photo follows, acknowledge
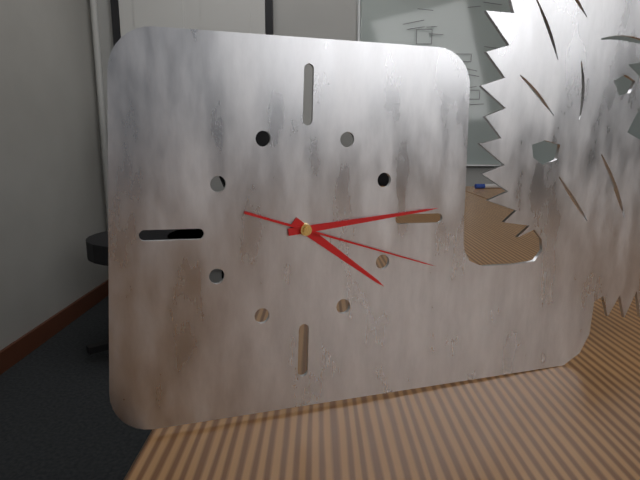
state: 4:14:18
